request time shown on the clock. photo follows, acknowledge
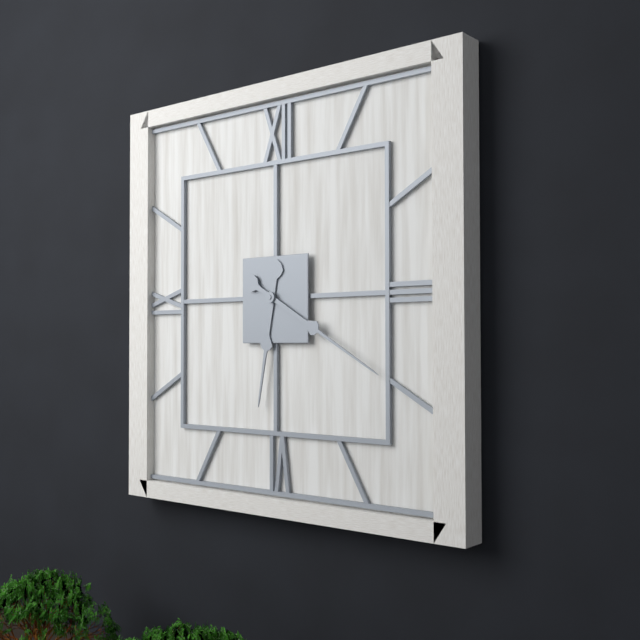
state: 6:20
